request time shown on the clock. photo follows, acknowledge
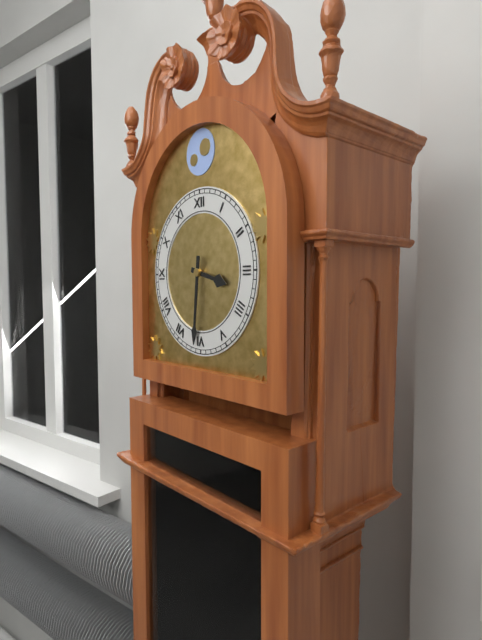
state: 3:31
